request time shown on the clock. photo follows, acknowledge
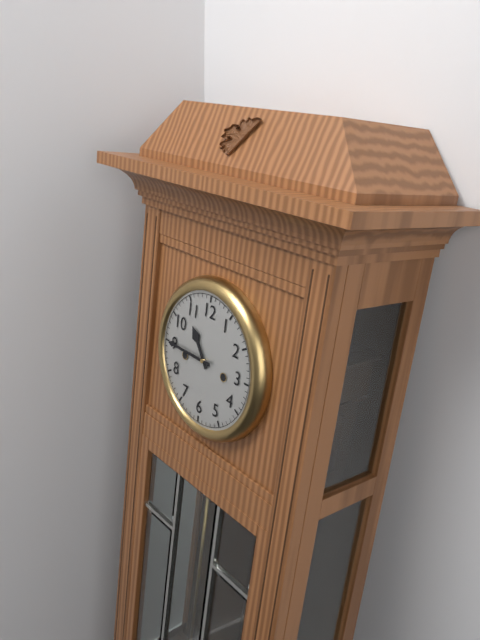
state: 10:45
